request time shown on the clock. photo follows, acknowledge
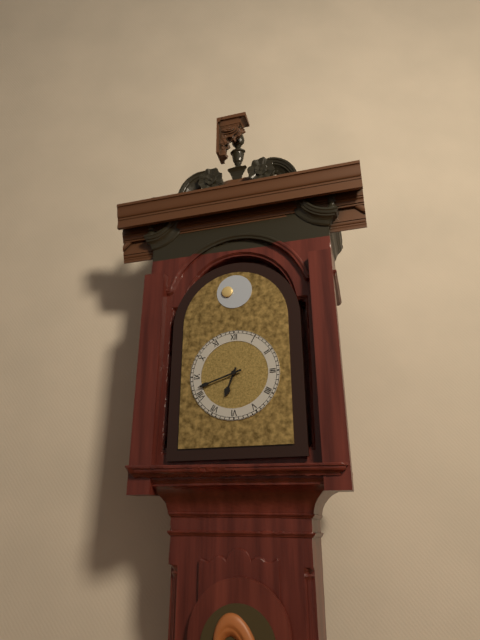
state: 6:42
